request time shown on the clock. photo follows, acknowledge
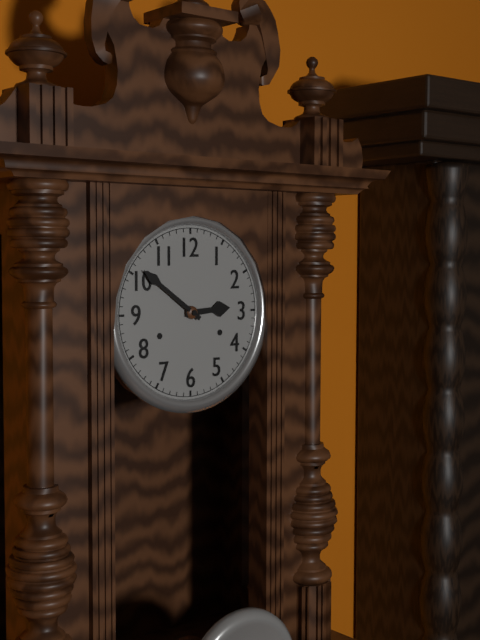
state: 2:51
